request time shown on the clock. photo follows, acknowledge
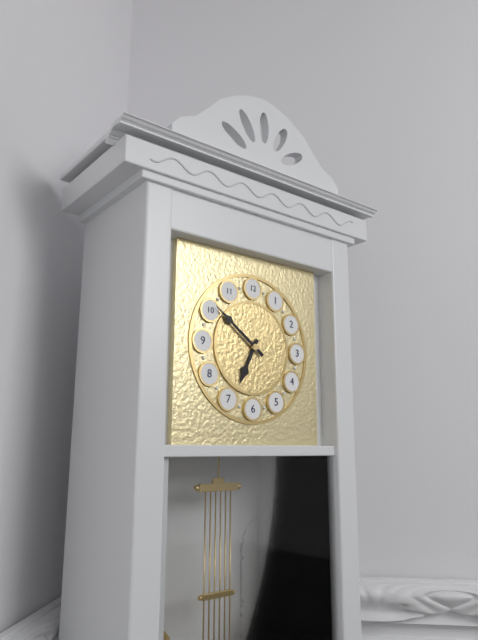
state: 6:51
